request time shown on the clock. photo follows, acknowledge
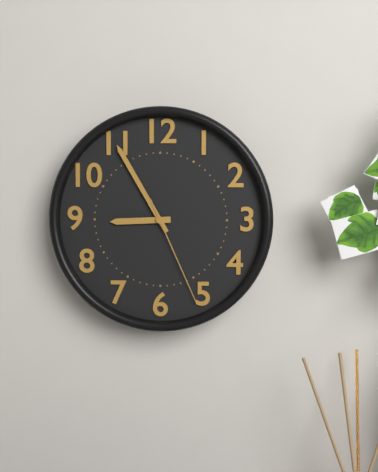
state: 8:55:26
